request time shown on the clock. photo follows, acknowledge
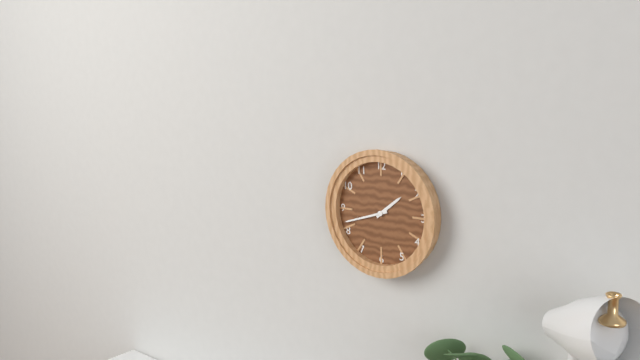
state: 1:42
